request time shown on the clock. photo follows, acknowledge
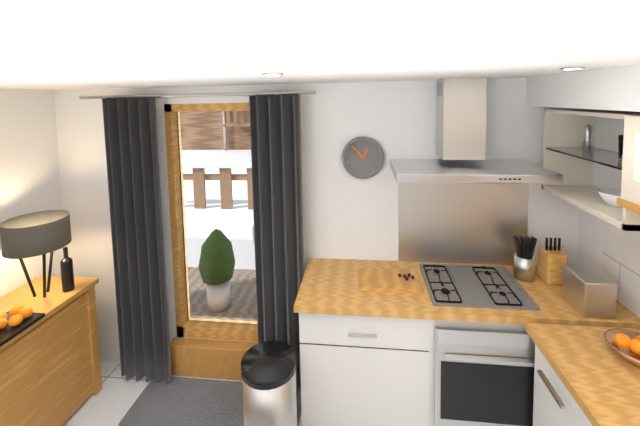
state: 12:53
